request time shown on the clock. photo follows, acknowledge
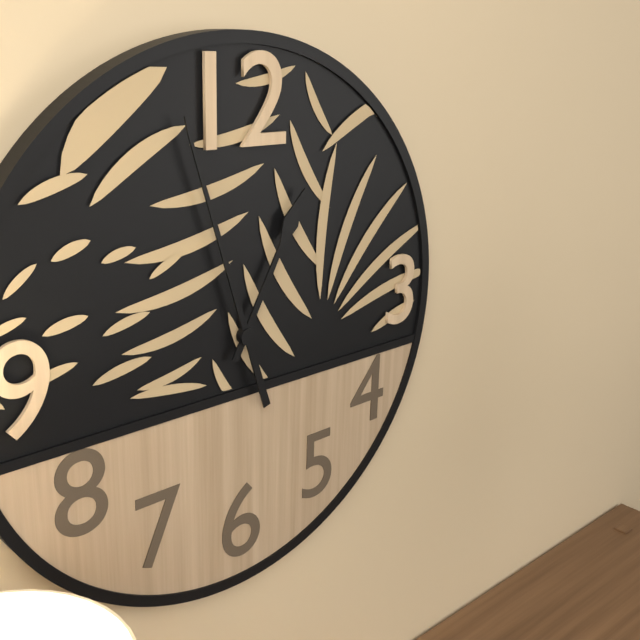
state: 12:57
